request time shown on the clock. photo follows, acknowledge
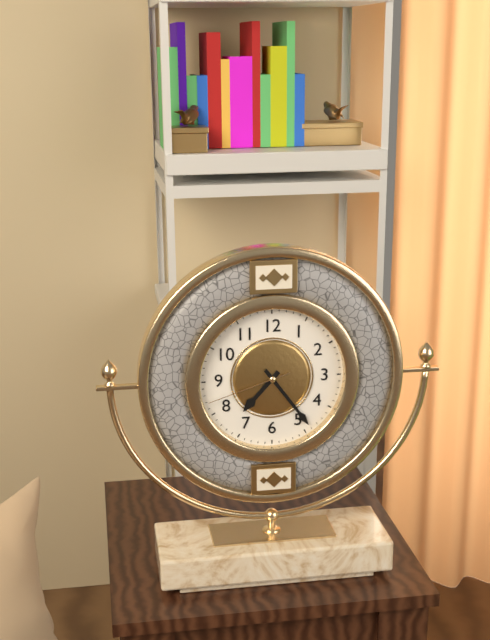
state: 7:24:42
